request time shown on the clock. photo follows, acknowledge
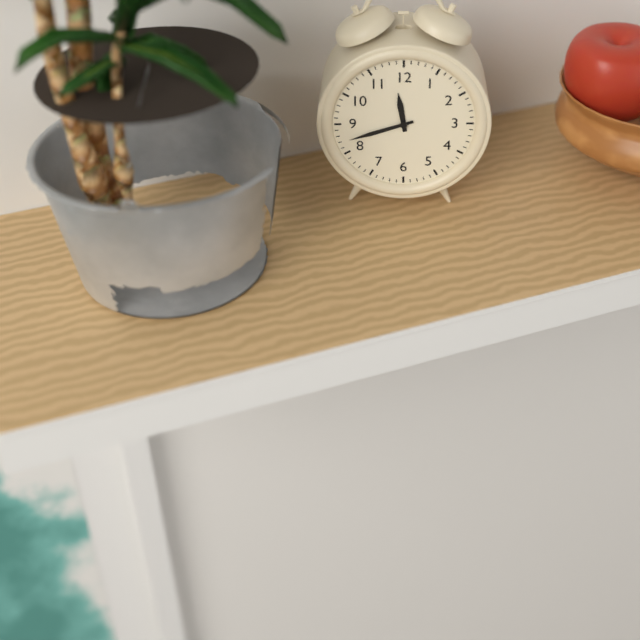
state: 11:42
